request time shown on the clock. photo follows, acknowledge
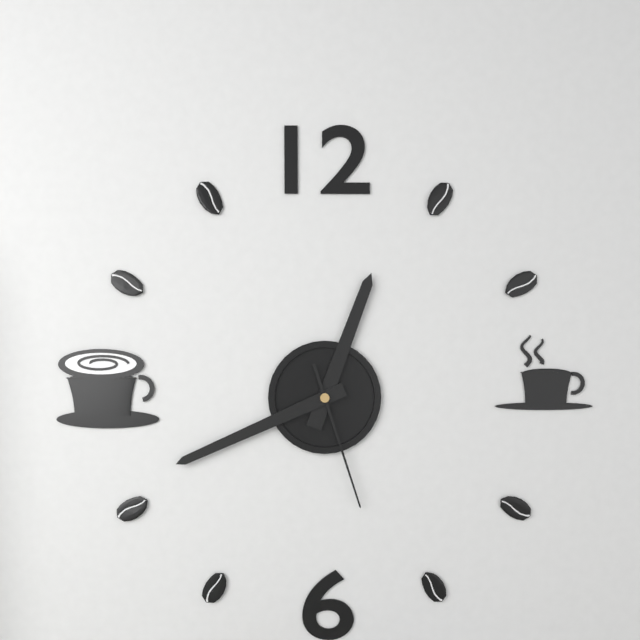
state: 12:41:27
